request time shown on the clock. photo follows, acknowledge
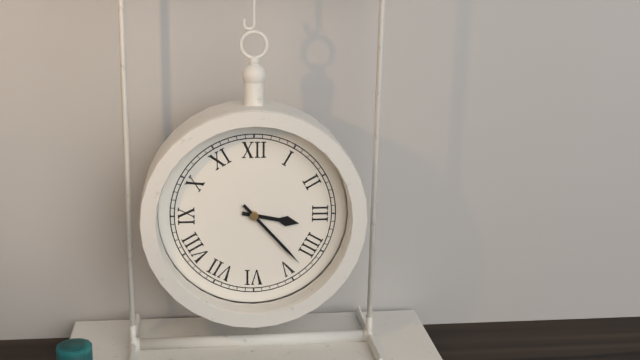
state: 3:23
